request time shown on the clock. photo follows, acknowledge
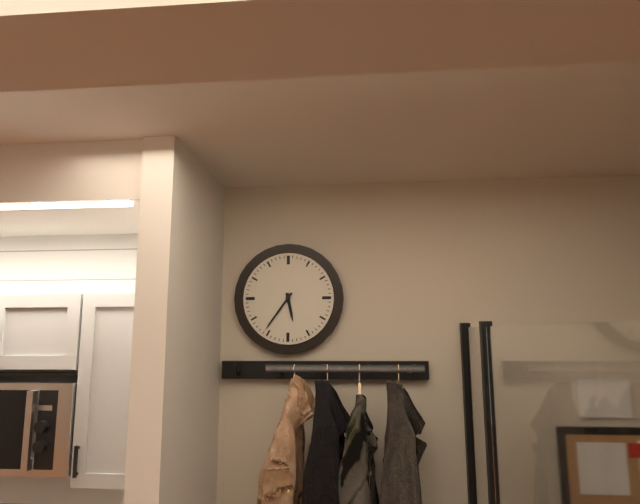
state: 5:36
